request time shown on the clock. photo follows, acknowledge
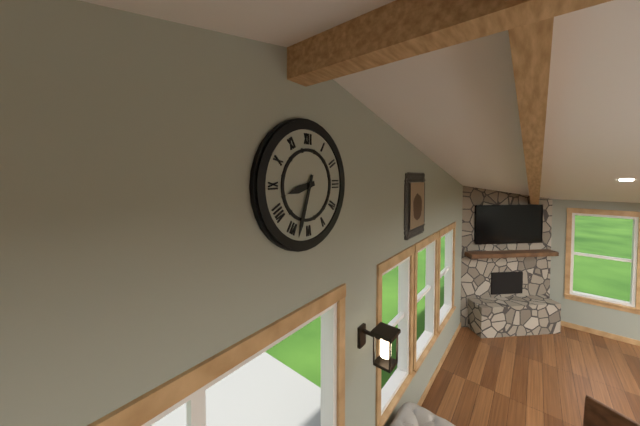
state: 8:33
